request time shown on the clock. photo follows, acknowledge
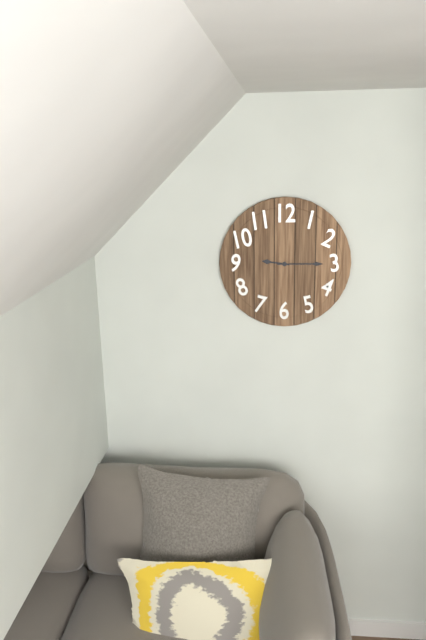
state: 9:15
